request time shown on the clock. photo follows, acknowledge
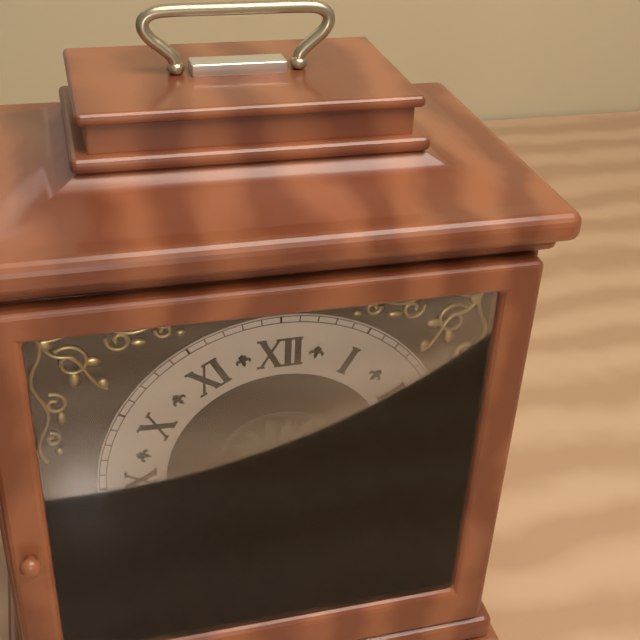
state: 7:41
